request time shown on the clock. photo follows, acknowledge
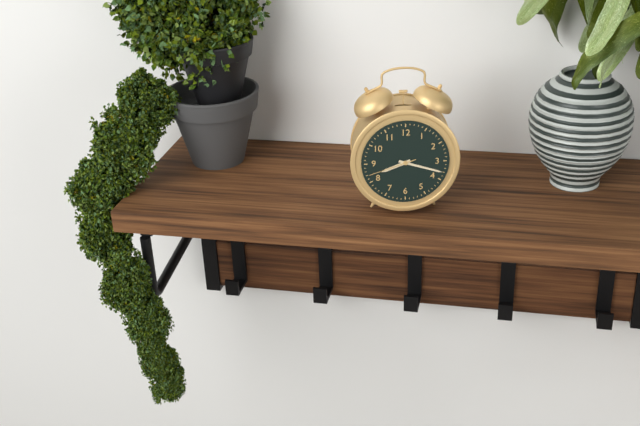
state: 8:18
